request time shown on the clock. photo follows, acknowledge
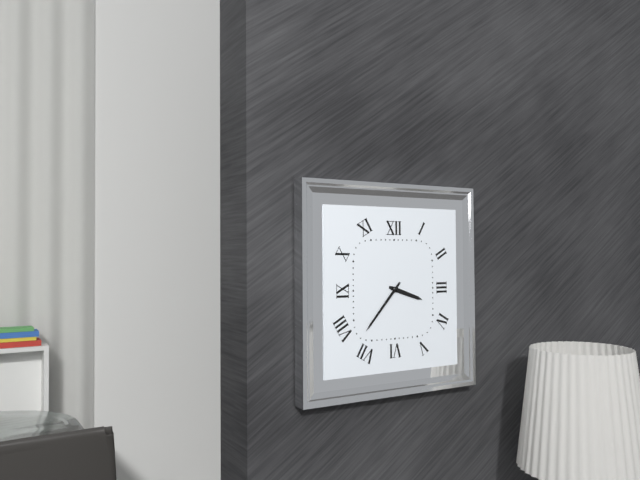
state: 3:37
